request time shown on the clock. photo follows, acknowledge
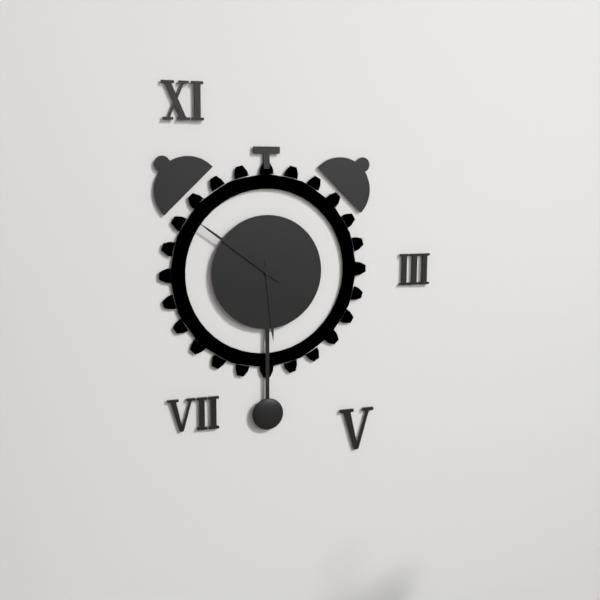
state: 5:51
